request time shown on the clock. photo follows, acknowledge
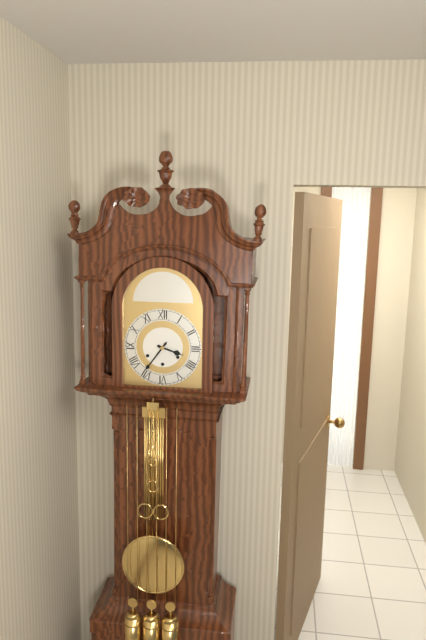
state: 3:36
